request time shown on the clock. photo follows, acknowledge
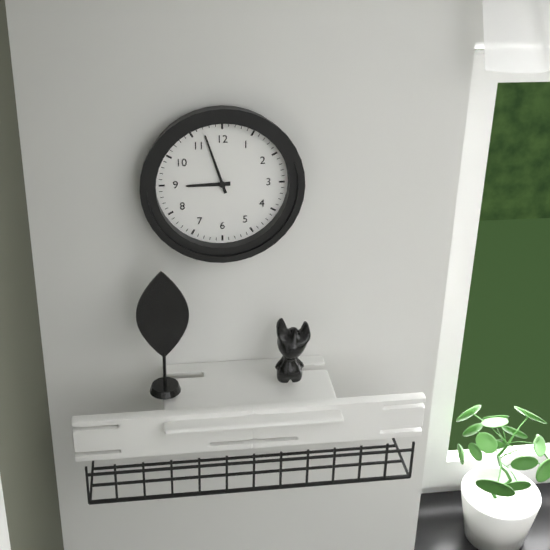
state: 8:57
